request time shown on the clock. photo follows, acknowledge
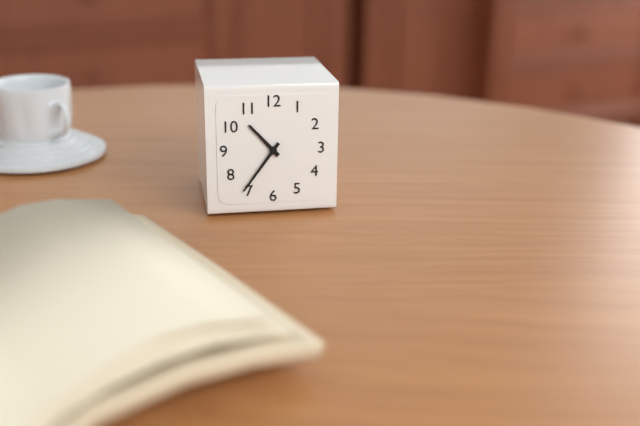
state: 10:36
